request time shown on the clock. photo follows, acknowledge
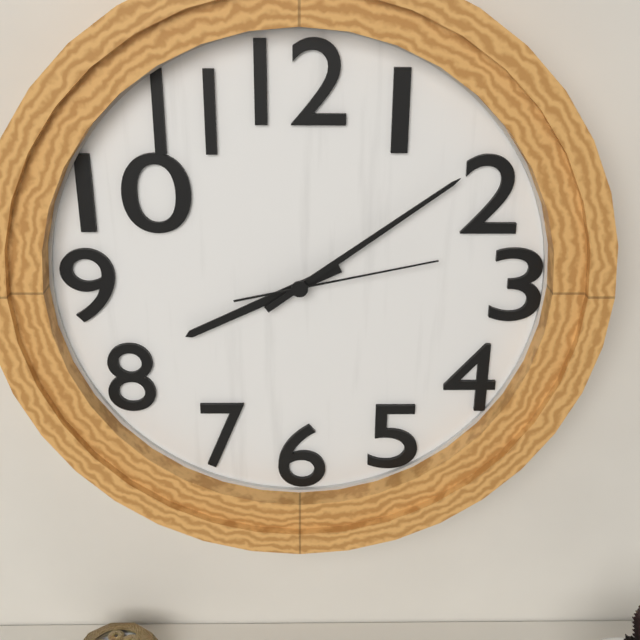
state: 8:09:13
